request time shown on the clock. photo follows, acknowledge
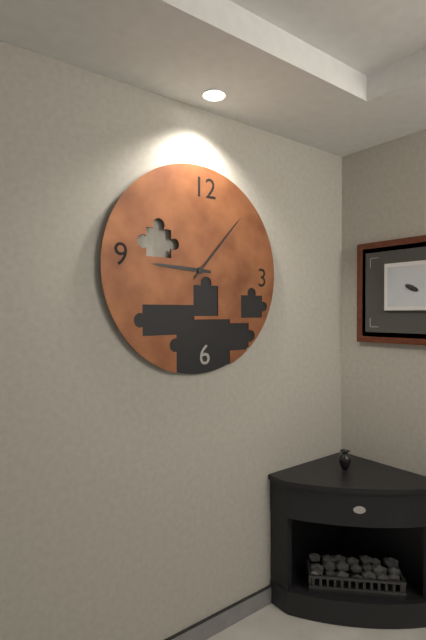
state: 9:07
